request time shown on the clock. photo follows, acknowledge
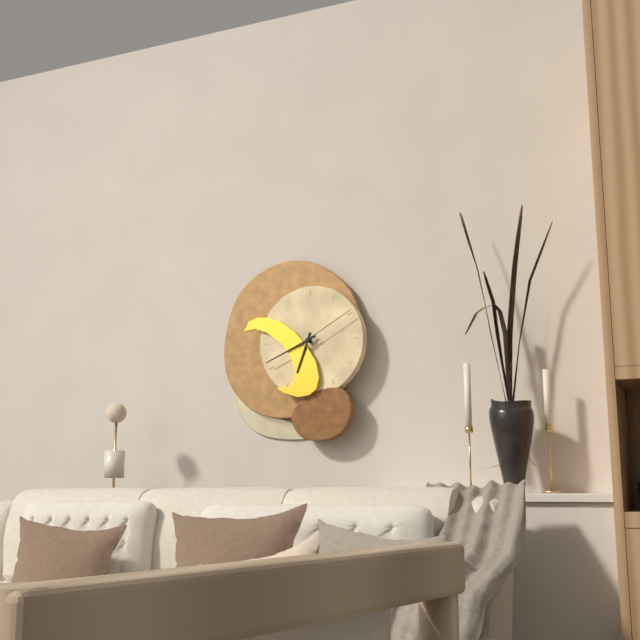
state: 6:41:10
